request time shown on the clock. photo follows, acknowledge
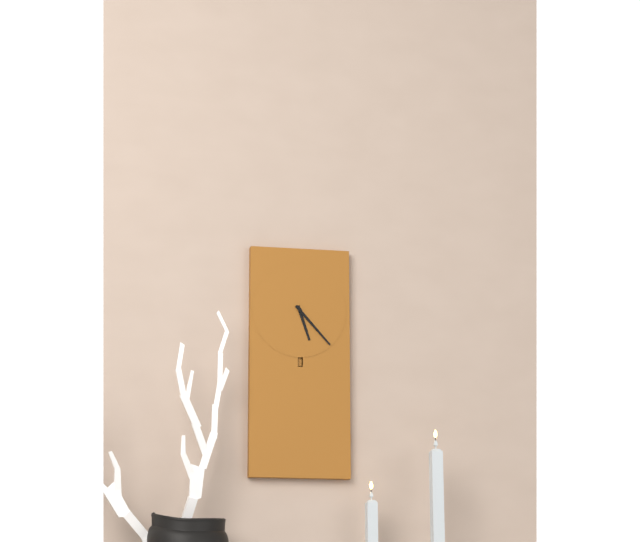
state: 5:23
